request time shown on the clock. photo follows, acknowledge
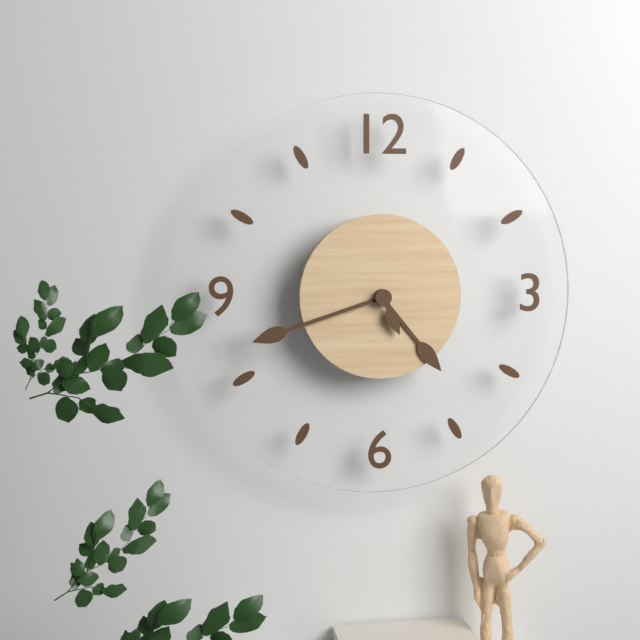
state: 4:42:26
